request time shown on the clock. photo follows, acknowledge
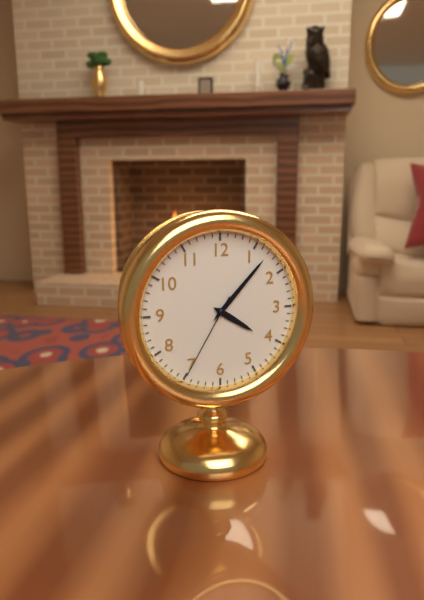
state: 4:07:35
